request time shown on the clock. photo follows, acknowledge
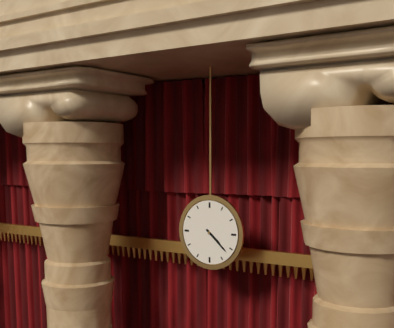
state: 4:22
